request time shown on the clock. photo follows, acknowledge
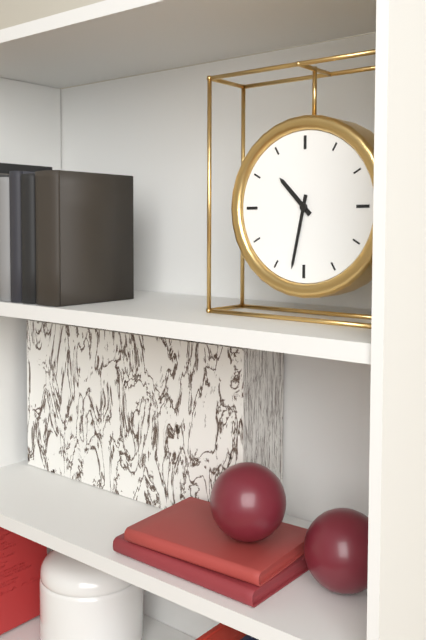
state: 10:32
